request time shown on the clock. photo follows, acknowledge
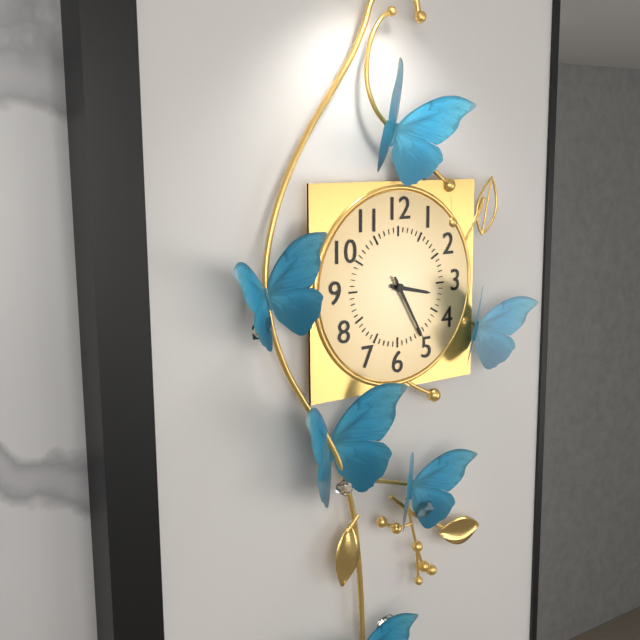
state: 3:25
